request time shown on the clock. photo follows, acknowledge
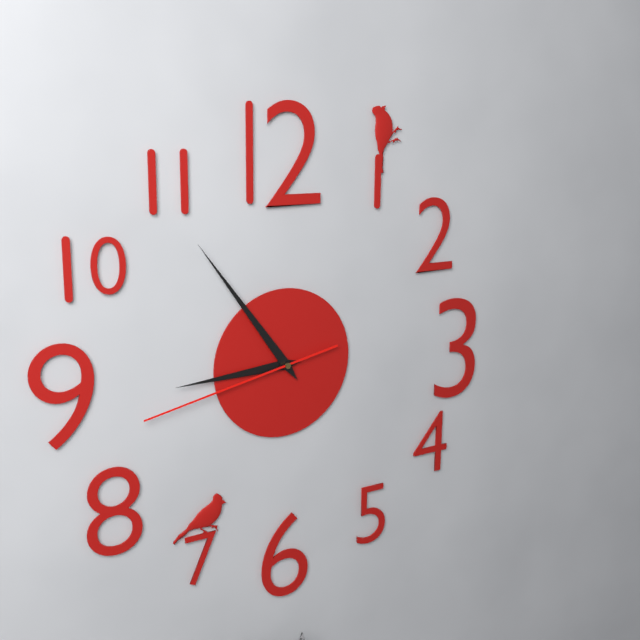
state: 8:54:43
